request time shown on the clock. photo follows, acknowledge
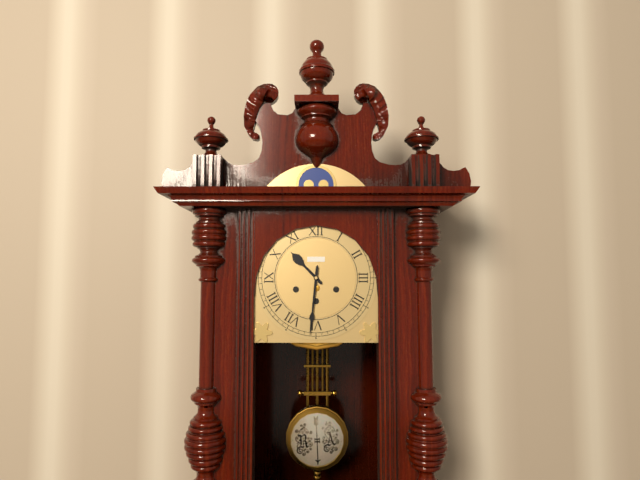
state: 10:31
